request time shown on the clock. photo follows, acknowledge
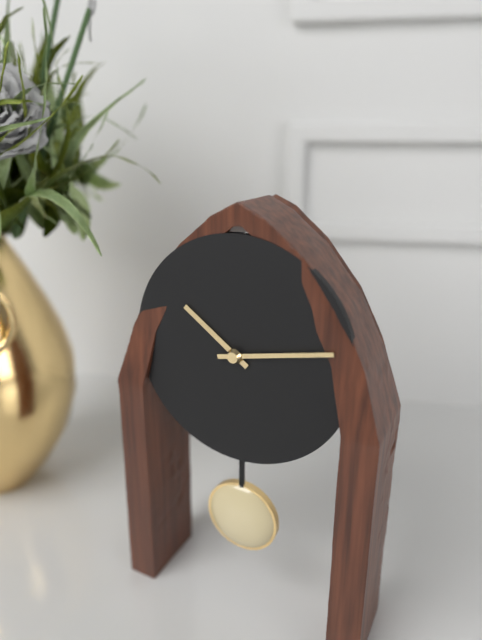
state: 10:13
